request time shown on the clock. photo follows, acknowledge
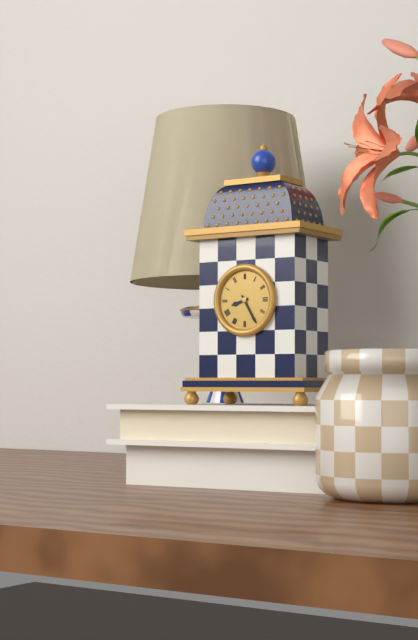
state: 8:25
